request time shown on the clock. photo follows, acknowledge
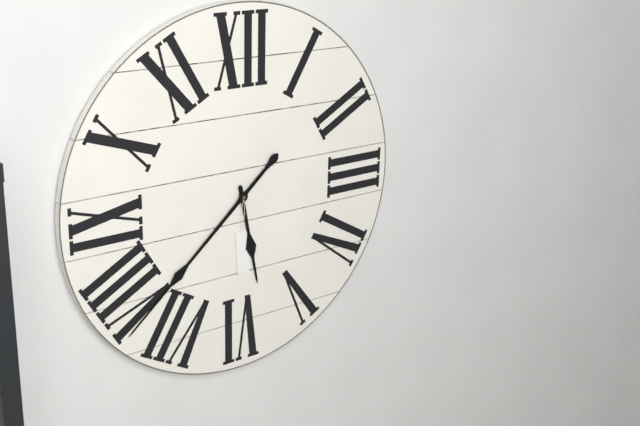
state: 5:38
